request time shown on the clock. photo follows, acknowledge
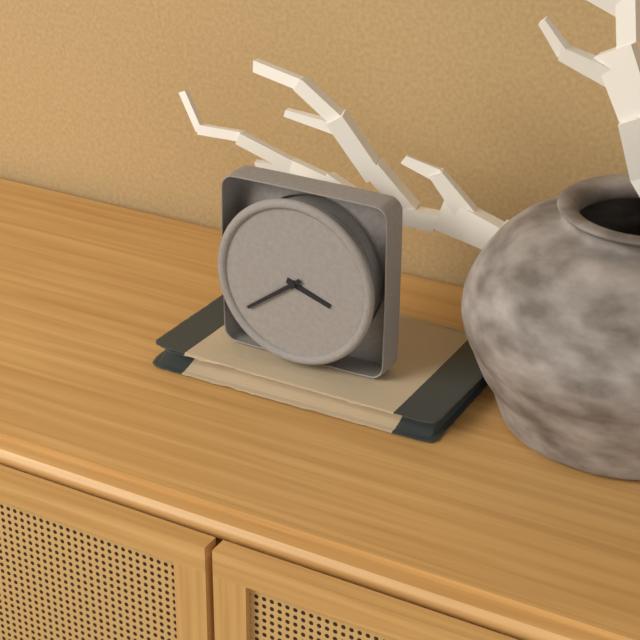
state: 3:39
